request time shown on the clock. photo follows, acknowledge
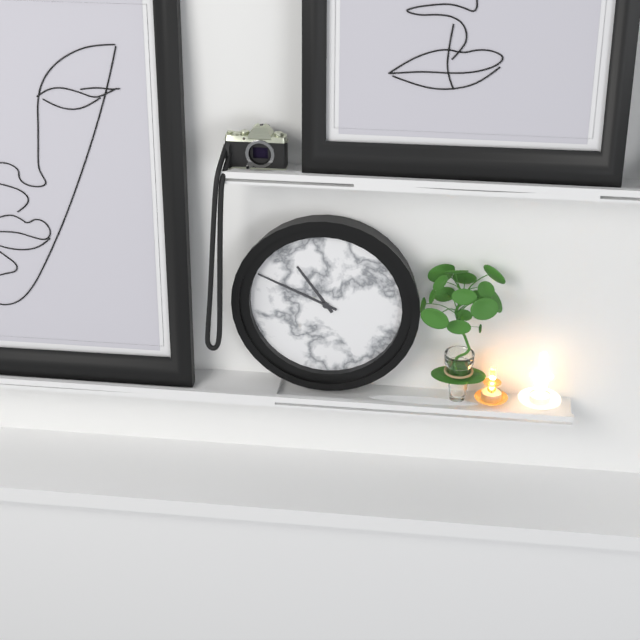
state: 10:49
